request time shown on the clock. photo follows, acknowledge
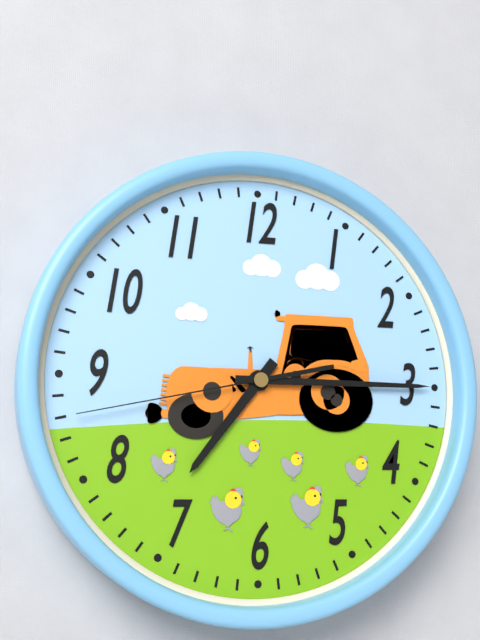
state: 7:15:43
